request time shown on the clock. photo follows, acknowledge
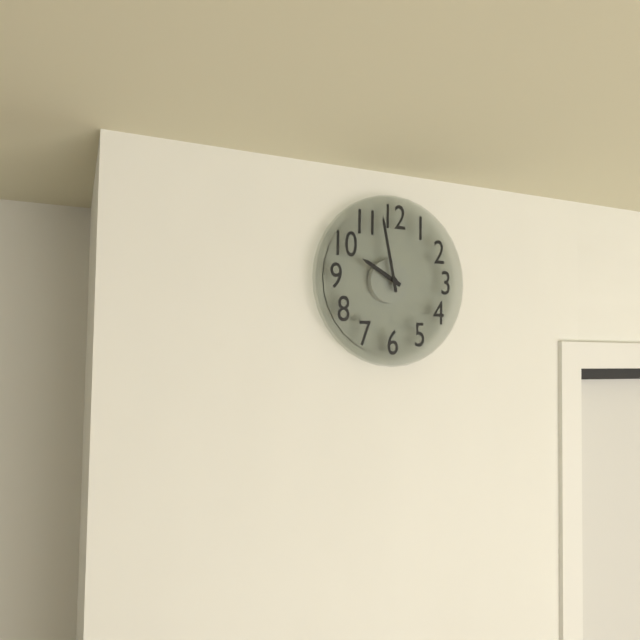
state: 9:58
